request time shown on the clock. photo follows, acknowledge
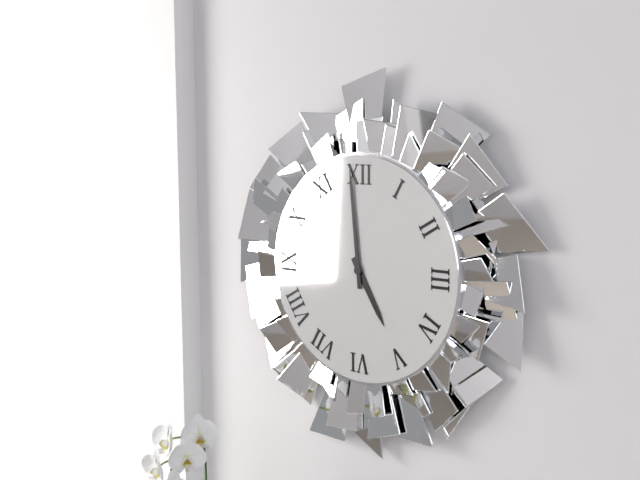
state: 4:59
